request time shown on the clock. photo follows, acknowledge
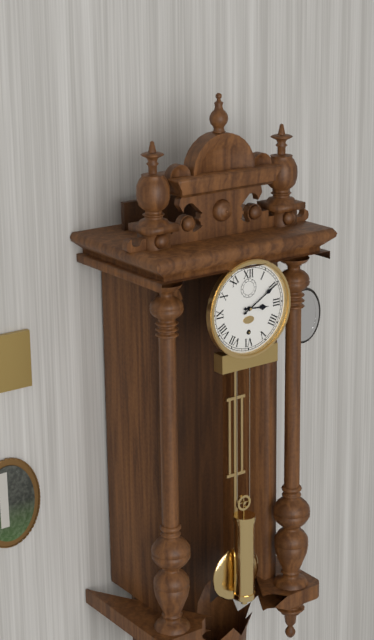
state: 3:10
